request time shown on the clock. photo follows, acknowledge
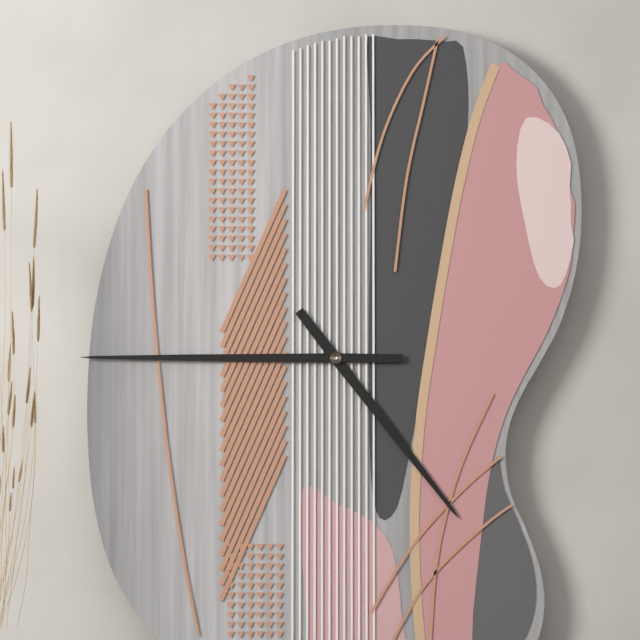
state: 4:45
